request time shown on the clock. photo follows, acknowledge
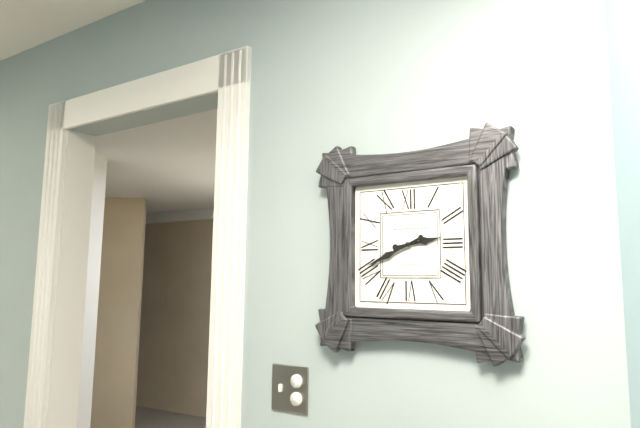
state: 2:41
